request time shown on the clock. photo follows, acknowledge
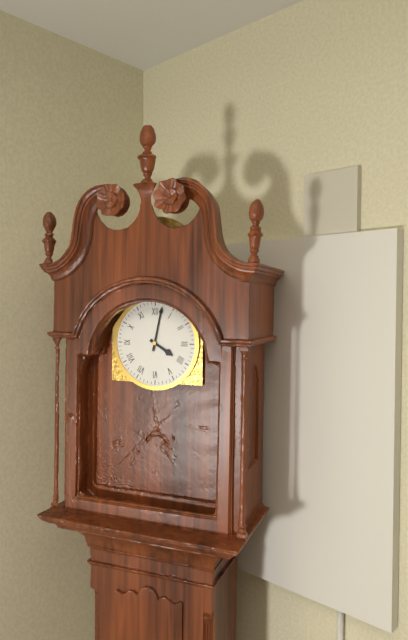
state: 4:02
